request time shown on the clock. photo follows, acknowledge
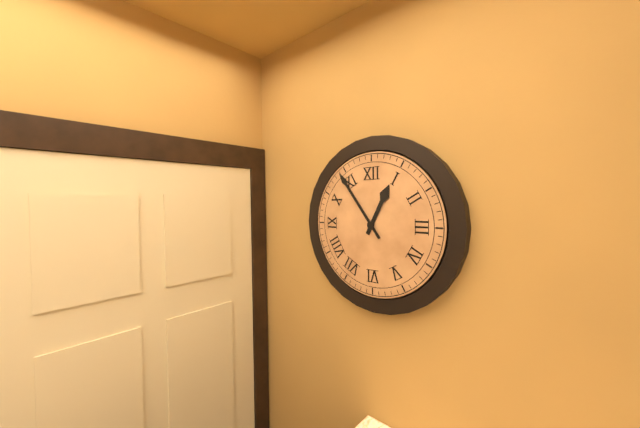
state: 12:54
